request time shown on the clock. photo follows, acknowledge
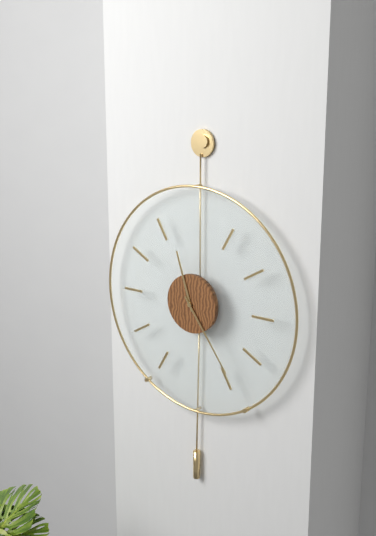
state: 11:24
